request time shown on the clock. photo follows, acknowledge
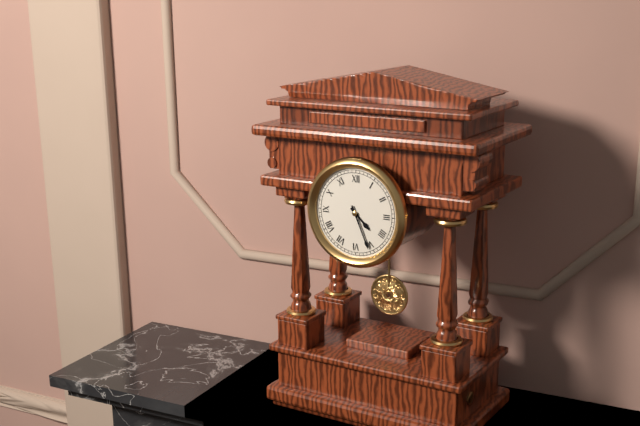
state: 4:26
